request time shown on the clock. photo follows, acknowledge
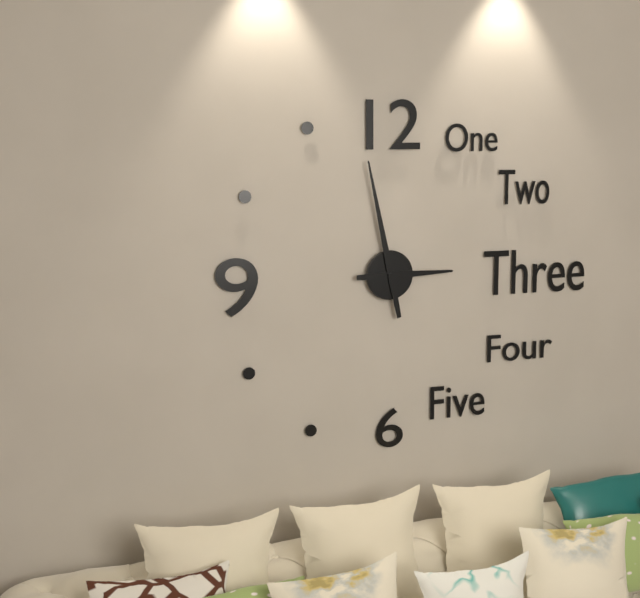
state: 2:58
